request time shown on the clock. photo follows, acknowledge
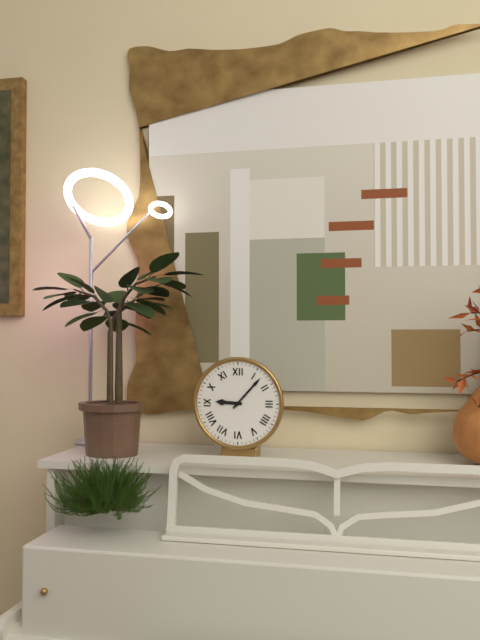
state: 9:07
